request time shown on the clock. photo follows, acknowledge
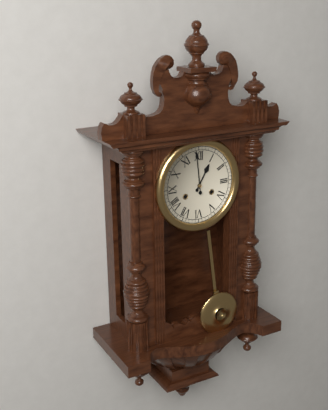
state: 12:59
